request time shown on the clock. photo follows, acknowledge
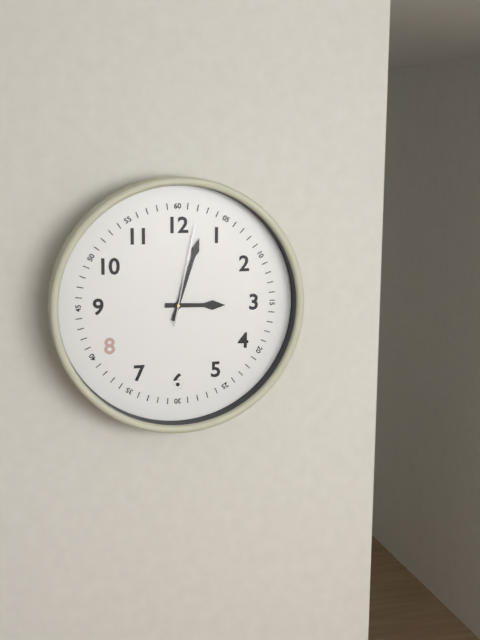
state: 3:03:02
